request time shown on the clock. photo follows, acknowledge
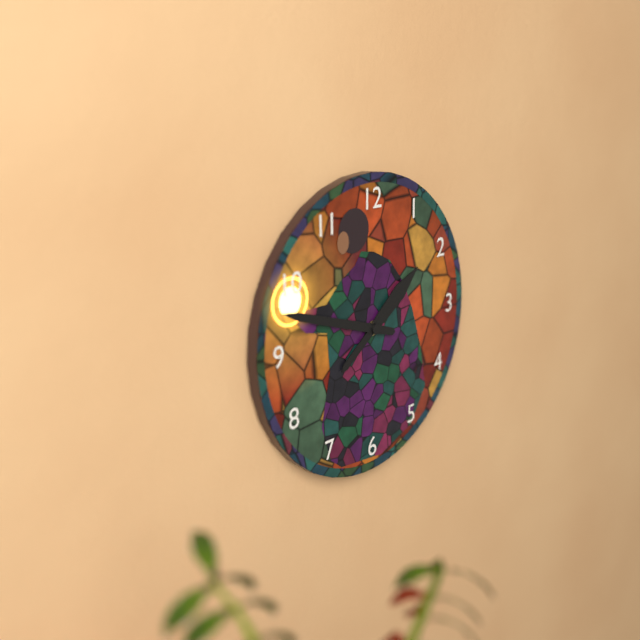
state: 1:48
